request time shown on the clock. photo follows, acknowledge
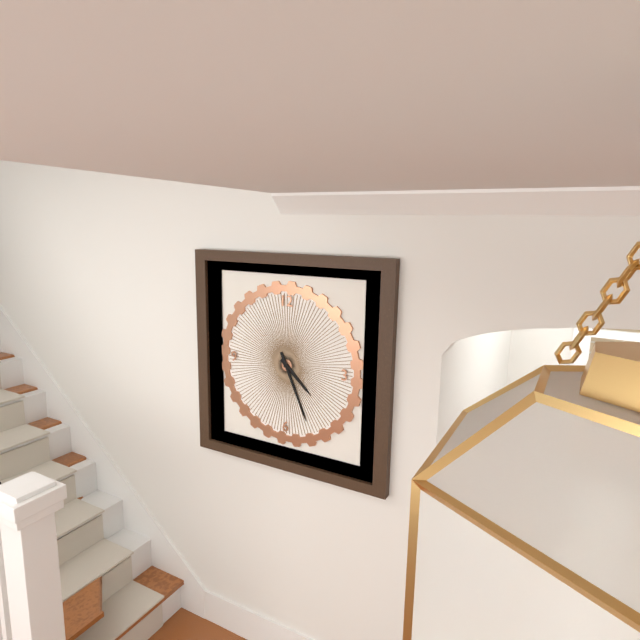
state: 4:26
